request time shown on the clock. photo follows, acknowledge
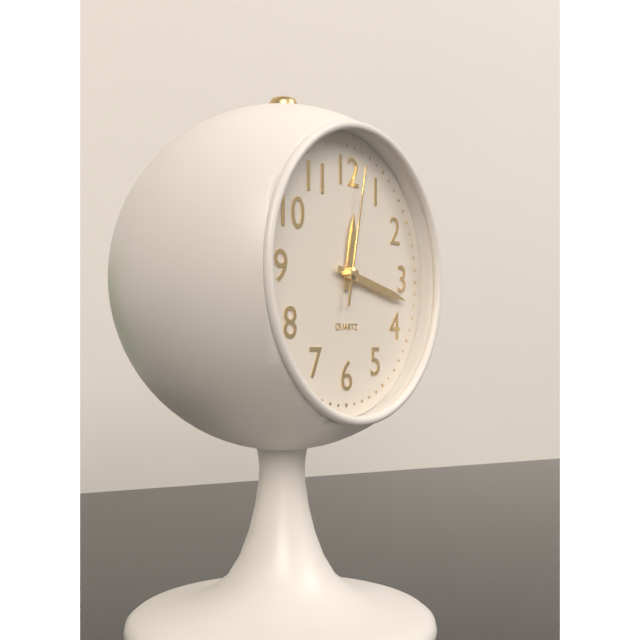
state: 12:17:02
